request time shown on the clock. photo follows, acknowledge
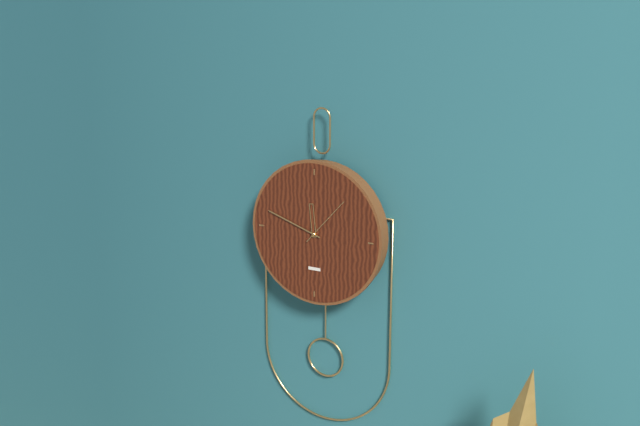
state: 11:48:07
